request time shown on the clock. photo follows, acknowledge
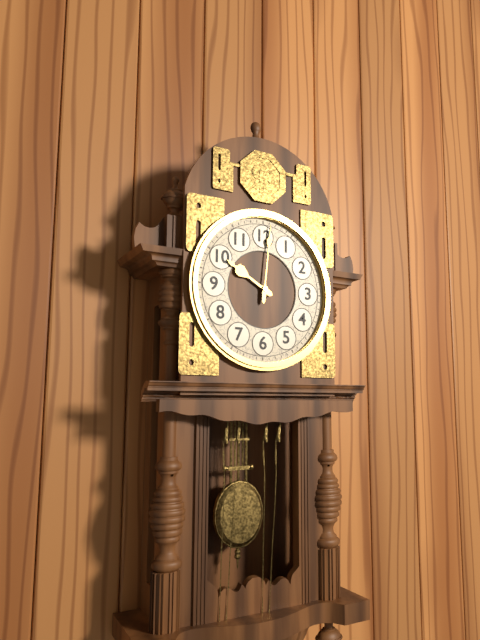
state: 10:01
